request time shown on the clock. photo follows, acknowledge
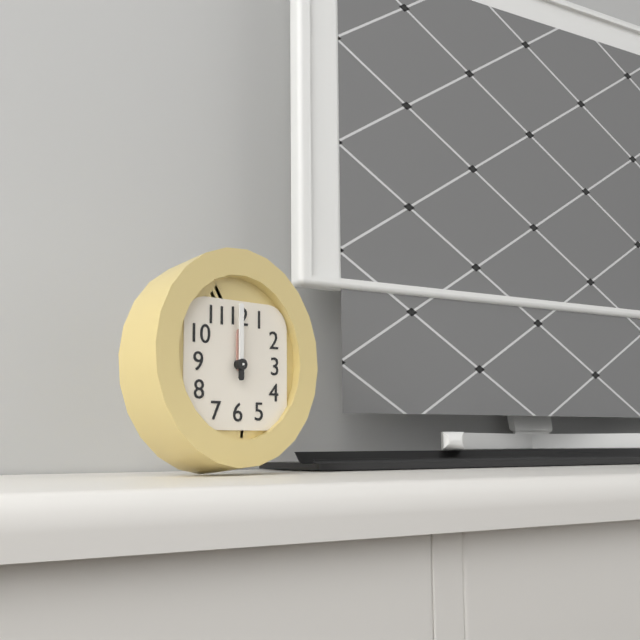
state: 12:00
